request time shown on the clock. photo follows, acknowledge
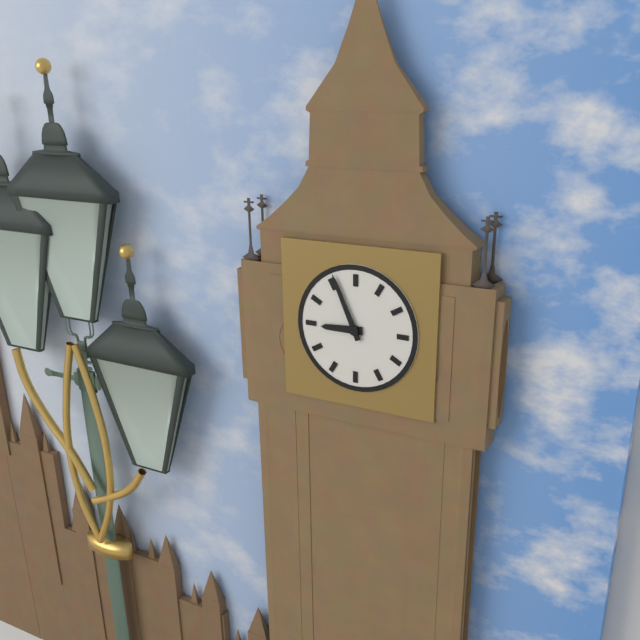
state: 8:56
